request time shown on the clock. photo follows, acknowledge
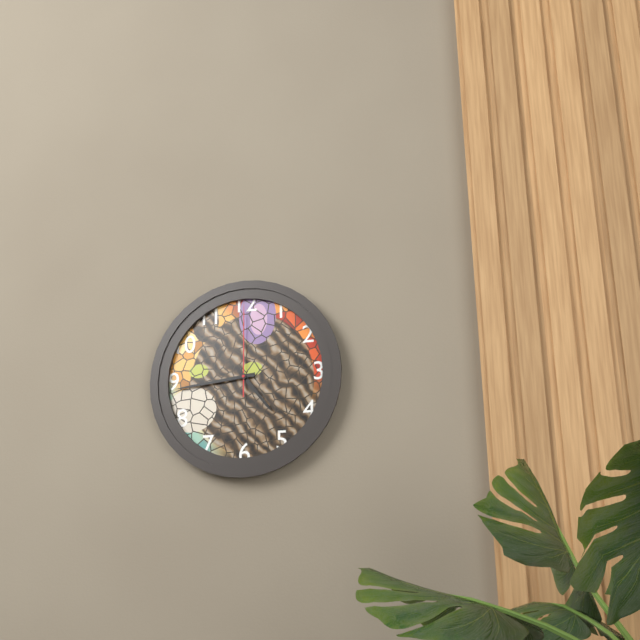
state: 4:44:00
